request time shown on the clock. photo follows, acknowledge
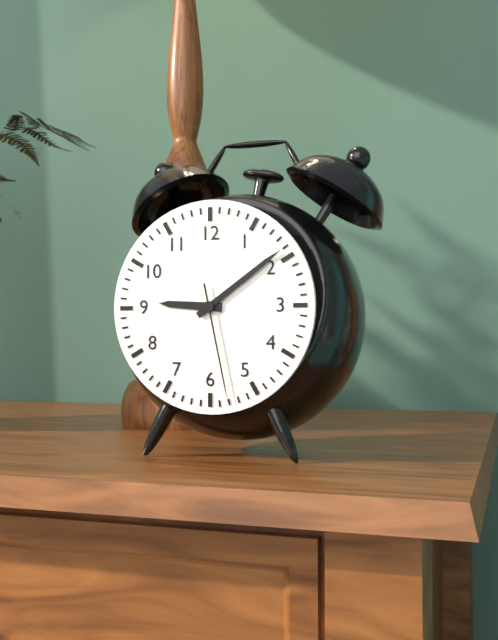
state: 9:09:28
